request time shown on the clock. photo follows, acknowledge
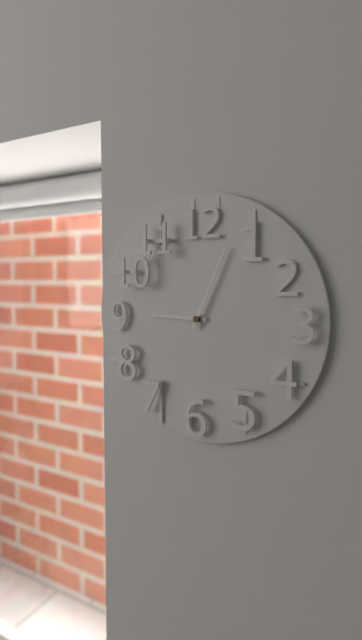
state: 9:04
